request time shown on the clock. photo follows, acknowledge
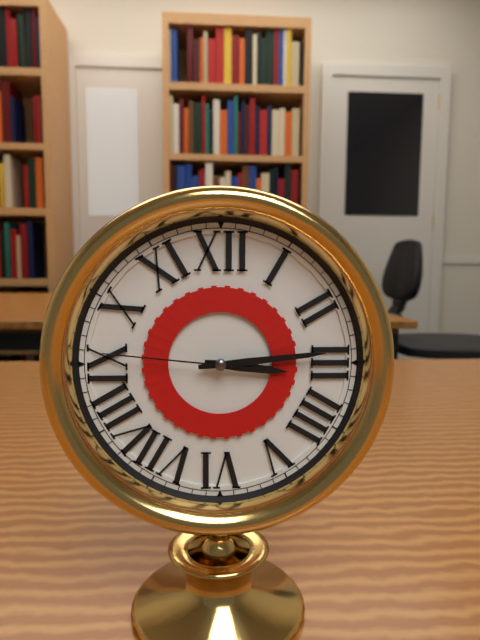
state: 3:14:46
